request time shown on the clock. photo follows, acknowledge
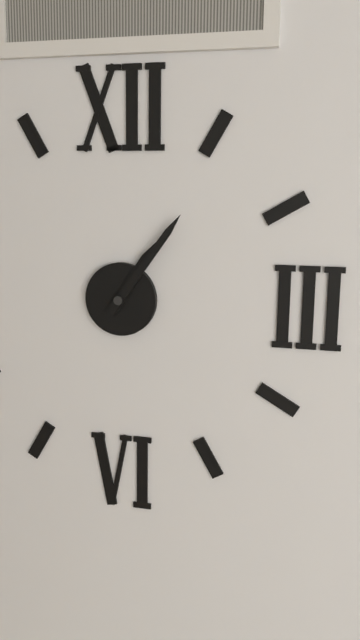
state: 1:06
